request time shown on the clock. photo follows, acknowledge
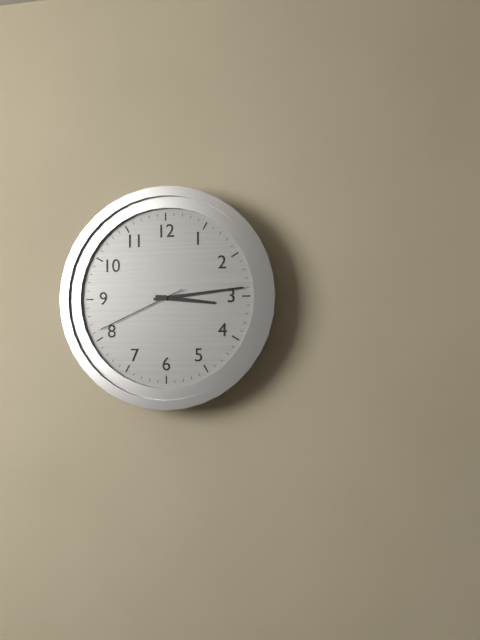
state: 3:14:41
